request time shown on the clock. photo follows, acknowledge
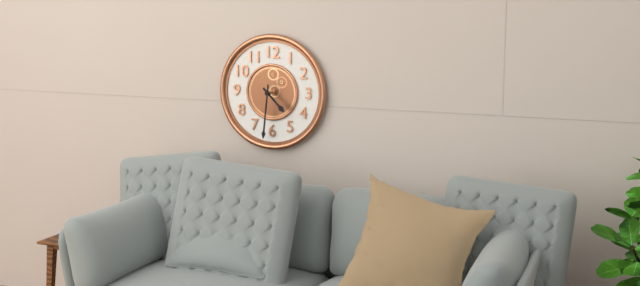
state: 4:31
